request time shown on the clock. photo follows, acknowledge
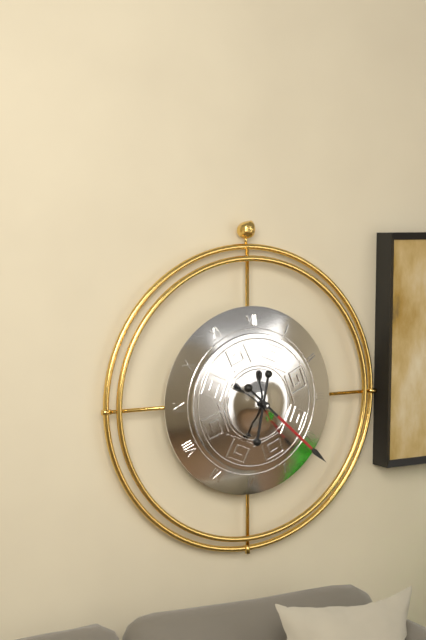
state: 6:22
